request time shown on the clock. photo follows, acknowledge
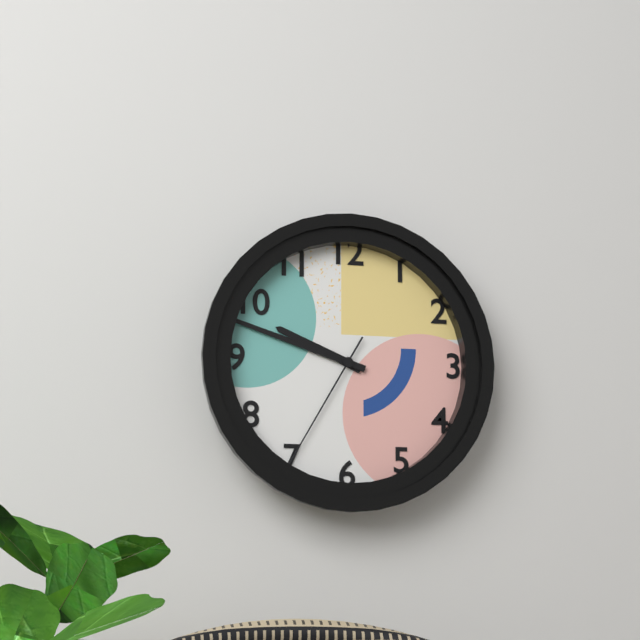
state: 9:48:35
